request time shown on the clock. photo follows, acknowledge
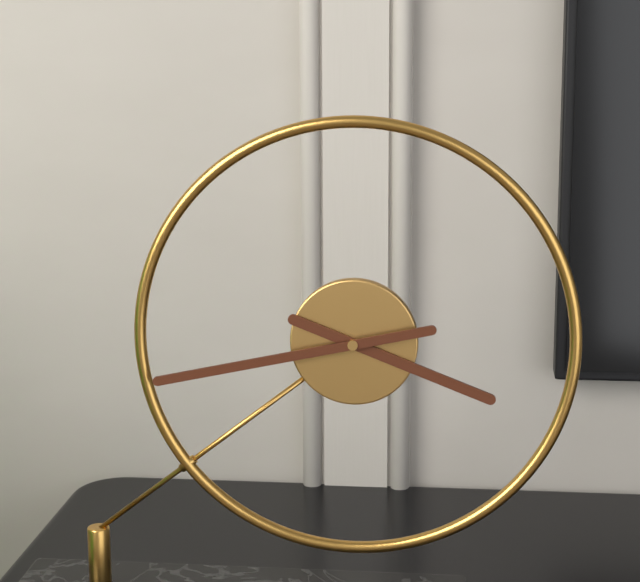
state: 3:43
